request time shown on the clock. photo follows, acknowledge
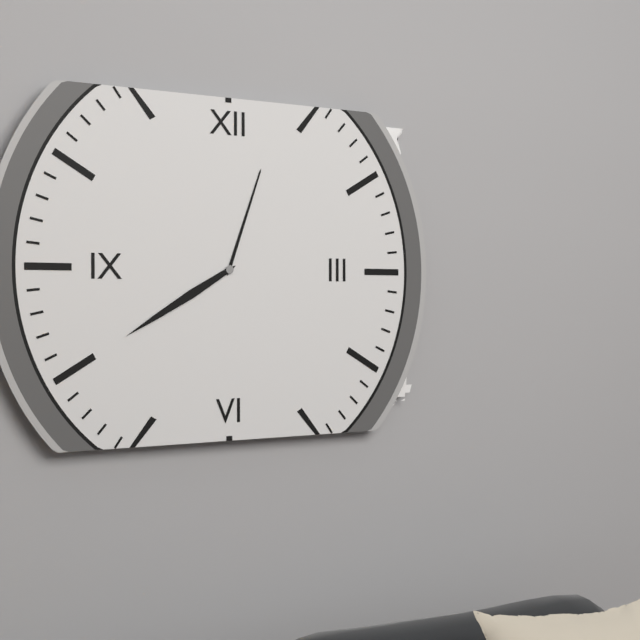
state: 12:40
